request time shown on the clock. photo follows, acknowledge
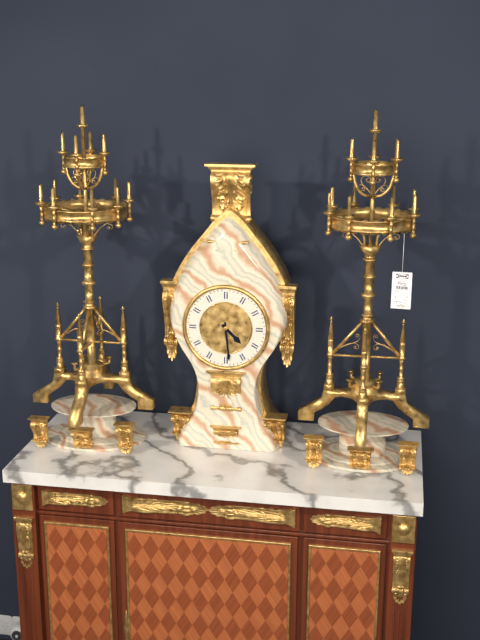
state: 4:29
